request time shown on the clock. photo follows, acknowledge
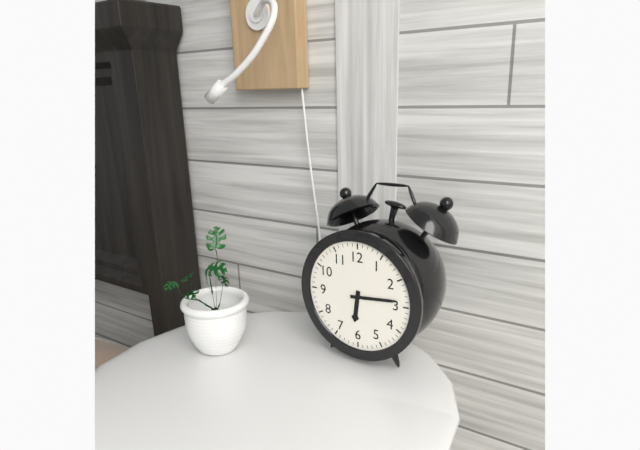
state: 6:14
